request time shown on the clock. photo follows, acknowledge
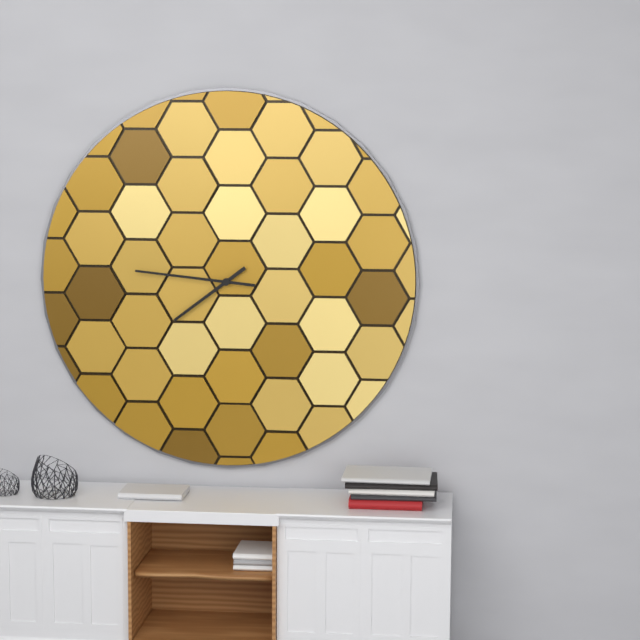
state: 7:46
